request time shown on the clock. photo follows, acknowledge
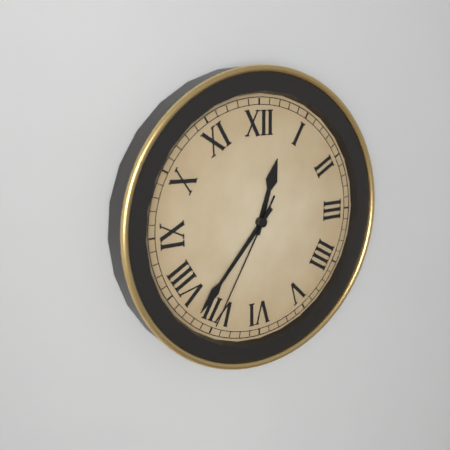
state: 12:37:35
